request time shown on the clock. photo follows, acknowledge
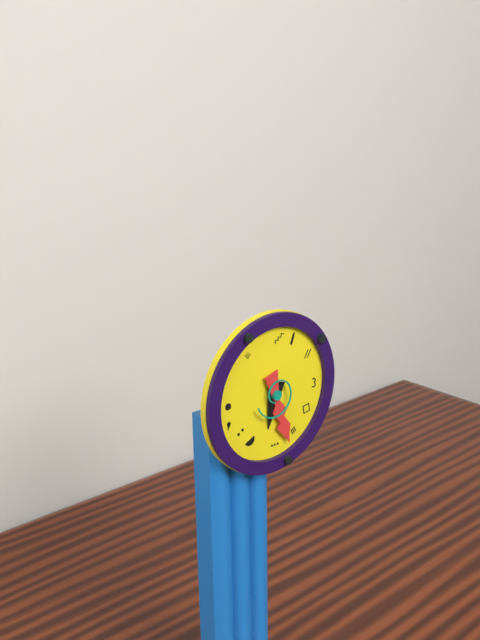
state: 6:27
